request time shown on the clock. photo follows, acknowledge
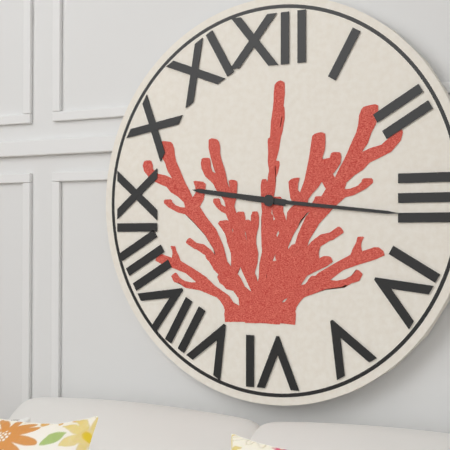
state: 9:16
